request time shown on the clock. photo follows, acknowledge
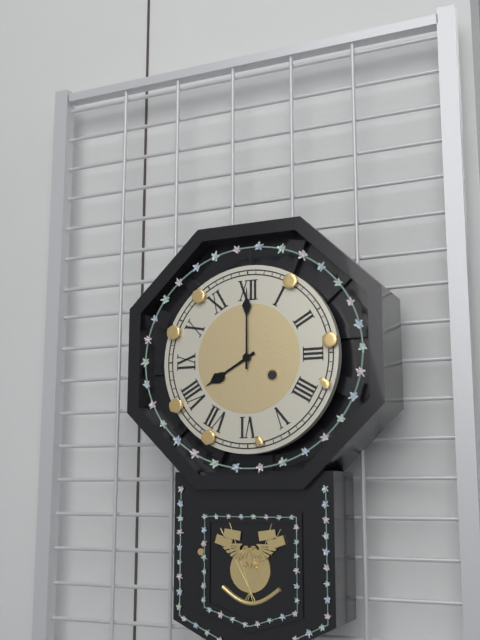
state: 8:00
